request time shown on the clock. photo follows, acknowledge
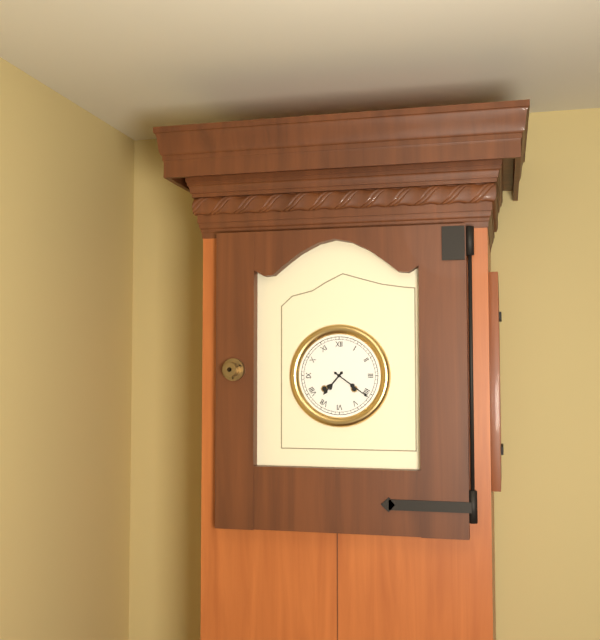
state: 7:21
